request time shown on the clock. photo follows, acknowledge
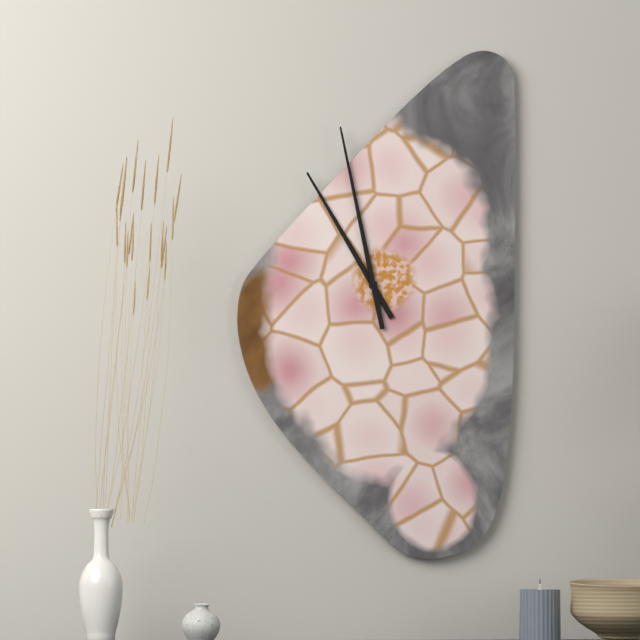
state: 10:58
